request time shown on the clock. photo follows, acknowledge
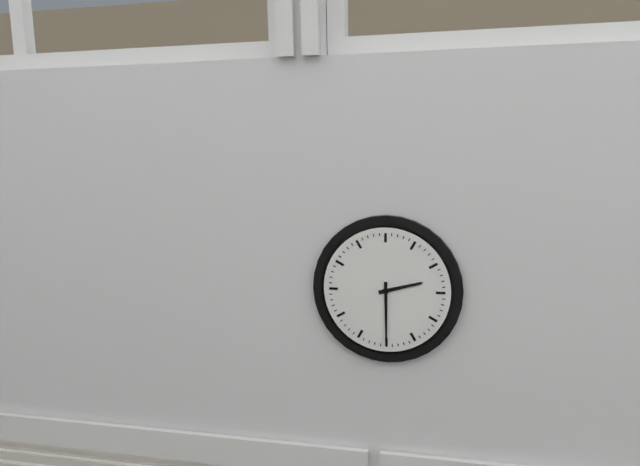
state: 2:30
